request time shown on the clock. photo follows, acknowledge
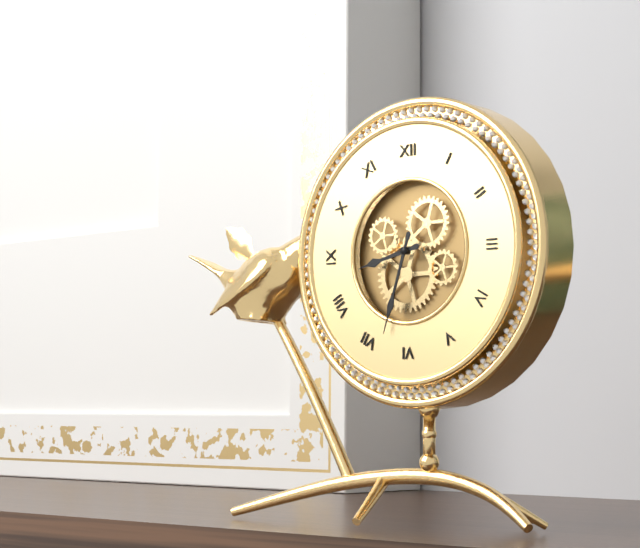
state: 8:33
